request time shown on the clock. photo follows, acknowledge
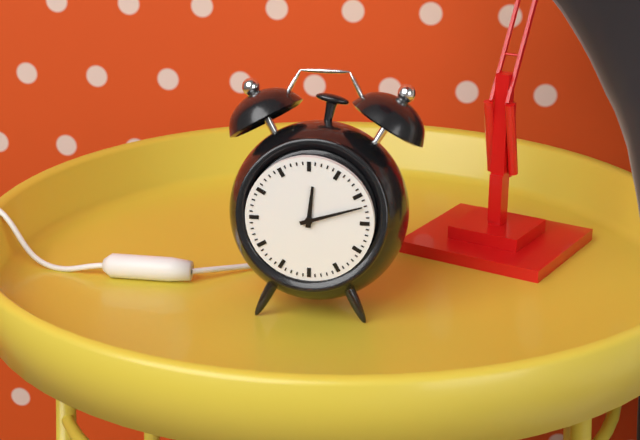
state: 12:12
